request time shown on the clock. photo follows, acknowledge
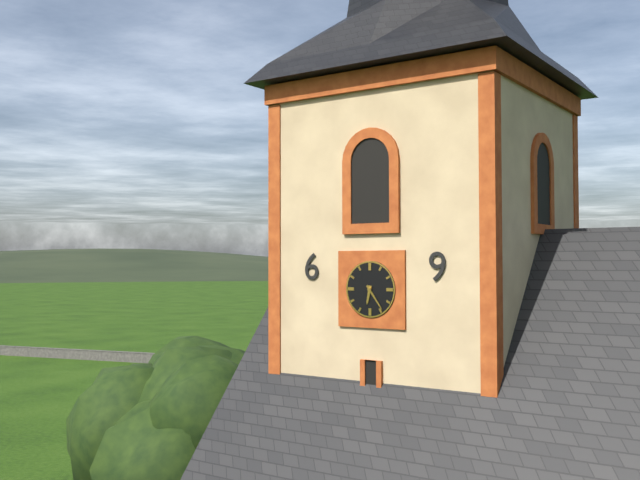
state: 6:24
